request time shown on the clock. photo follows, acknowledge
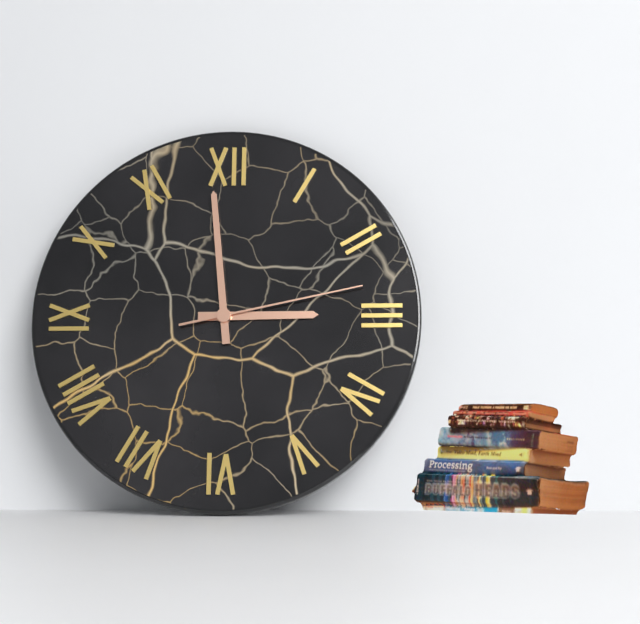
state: 2:59:13
